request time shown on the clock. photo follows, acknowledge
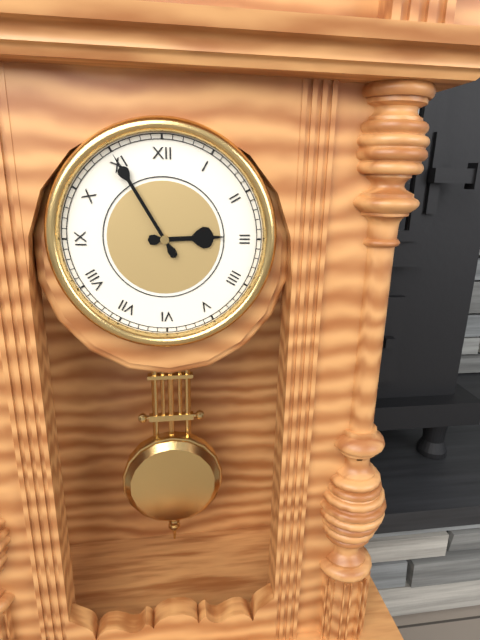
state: 2:55
